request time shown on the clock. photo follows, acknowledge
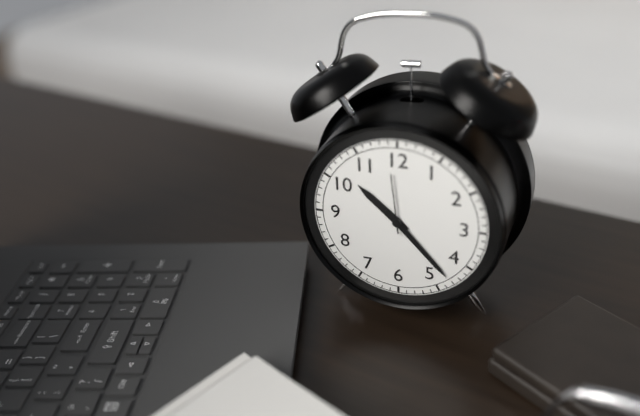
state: 10:23
